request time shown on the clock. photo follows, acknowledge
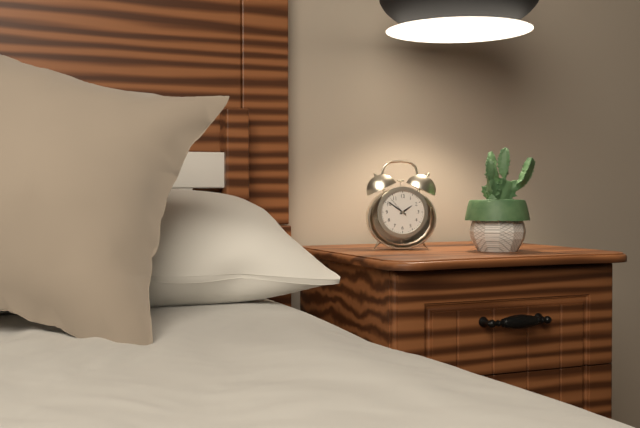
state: 1:51
